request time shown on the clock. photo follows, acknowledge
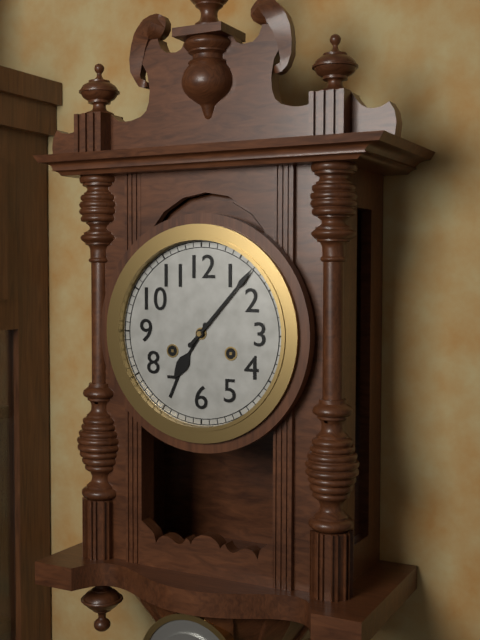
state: 7:07
